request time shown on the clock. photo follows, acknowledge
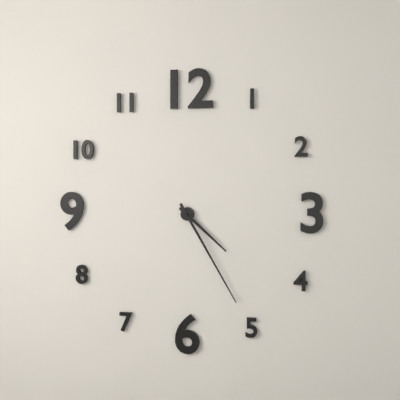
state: 4:25
